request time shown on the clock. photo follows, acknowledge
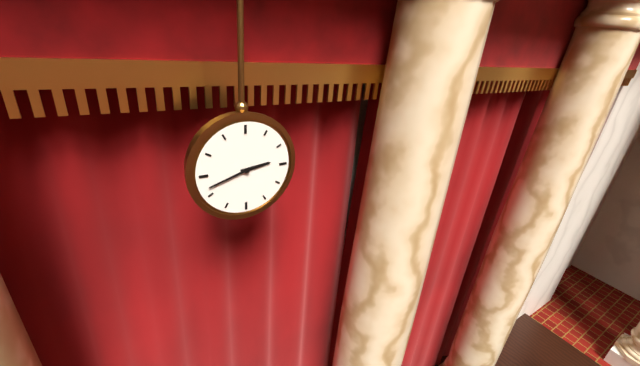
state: 2:42
